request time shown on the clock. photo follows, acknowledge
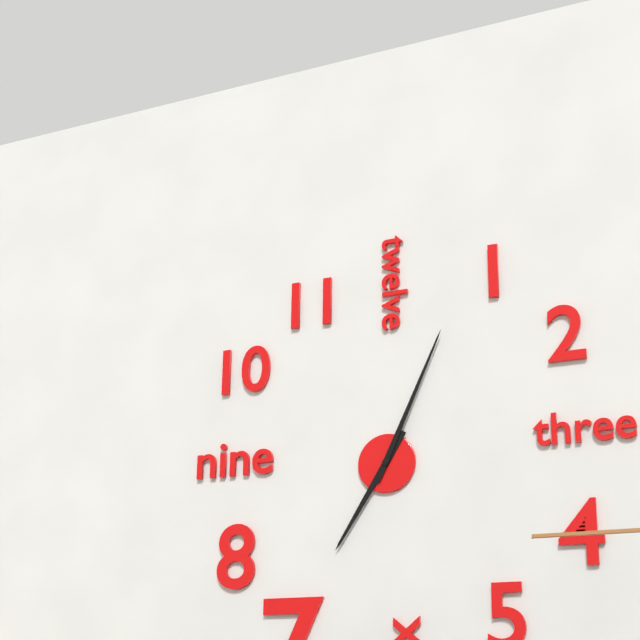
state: 7:04
